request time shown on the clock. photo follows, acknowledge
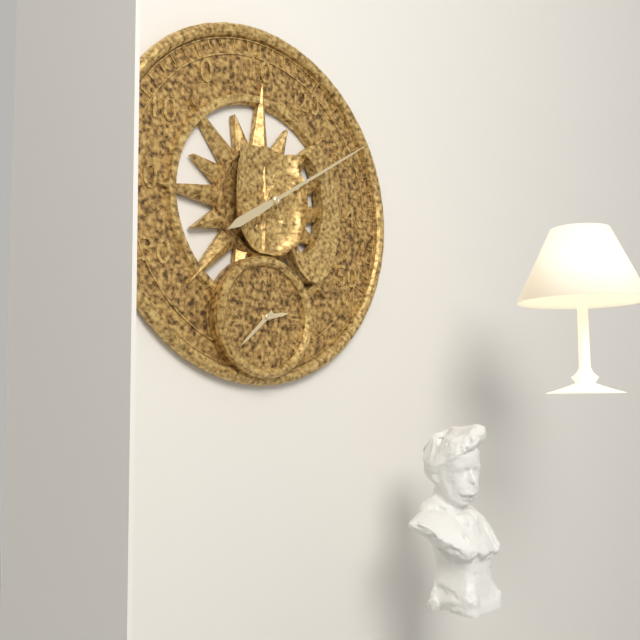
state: 2:38
